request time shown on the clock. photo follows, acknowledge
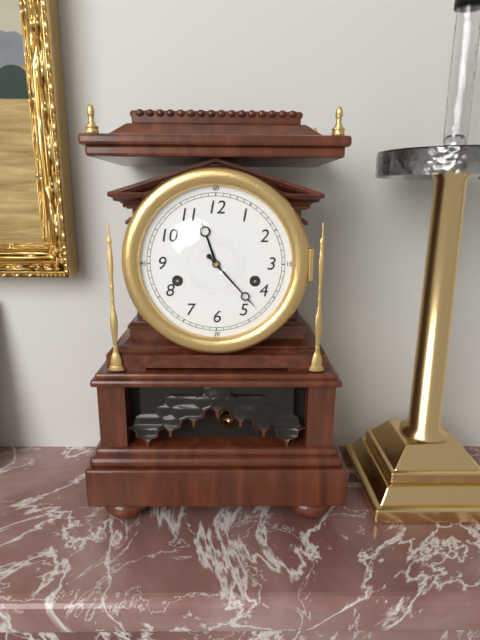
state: 11:23
